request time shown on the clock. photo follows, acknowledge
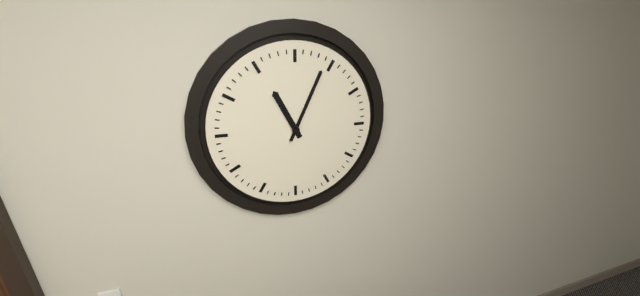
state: 11:04
